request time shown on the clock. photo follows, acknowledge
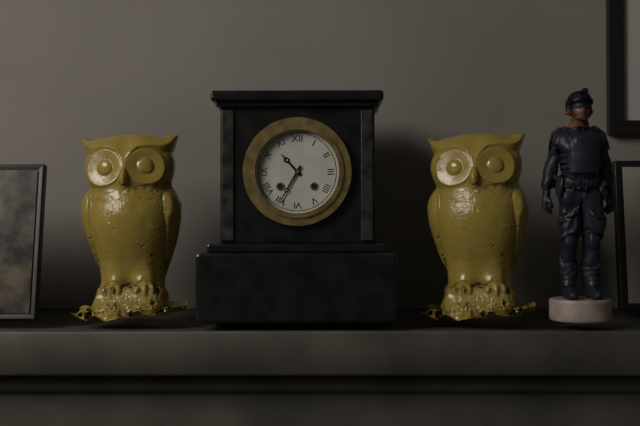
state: 10:35
